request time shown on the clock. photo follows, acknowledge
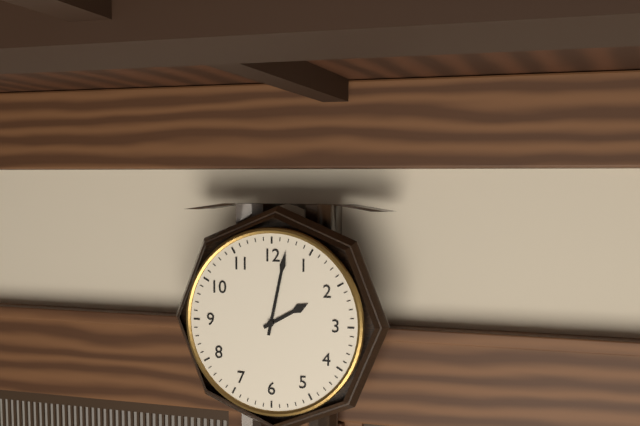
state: 2:02
